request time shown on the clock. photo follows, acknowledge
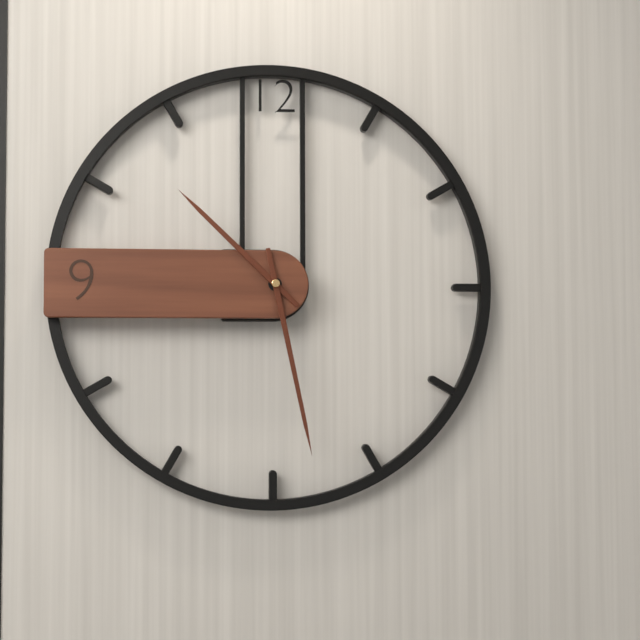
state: 10:28
